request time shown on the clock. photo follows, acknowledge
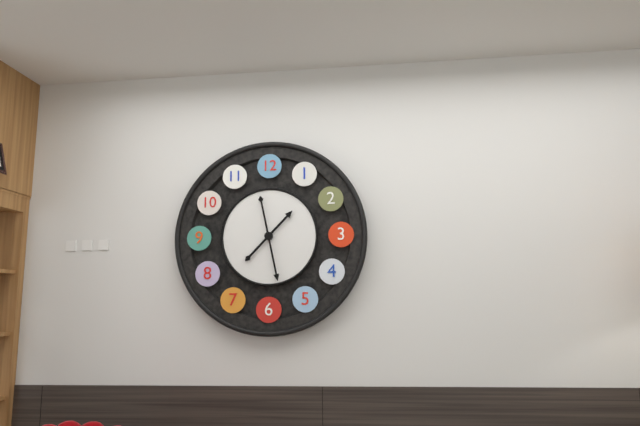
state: 1:28
